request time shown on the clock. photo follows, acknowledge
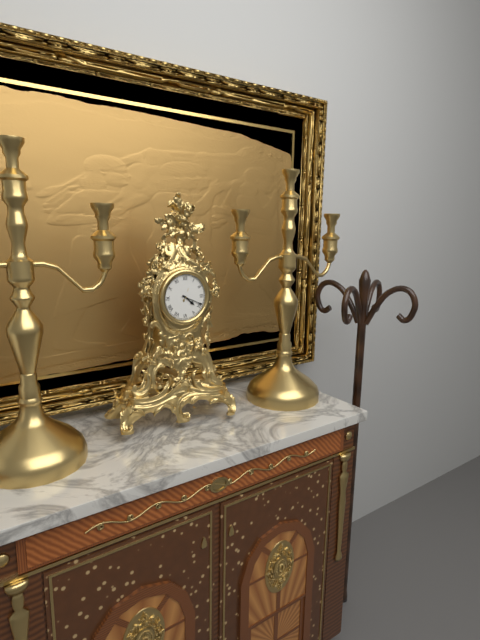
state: 4:19
